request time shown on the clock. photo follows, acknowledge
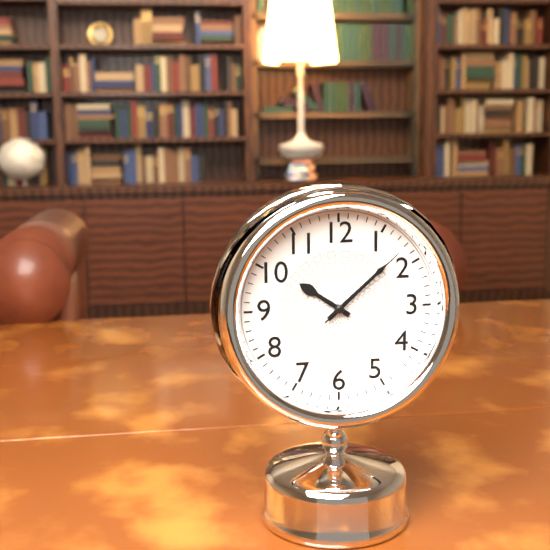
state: 10:08:08
